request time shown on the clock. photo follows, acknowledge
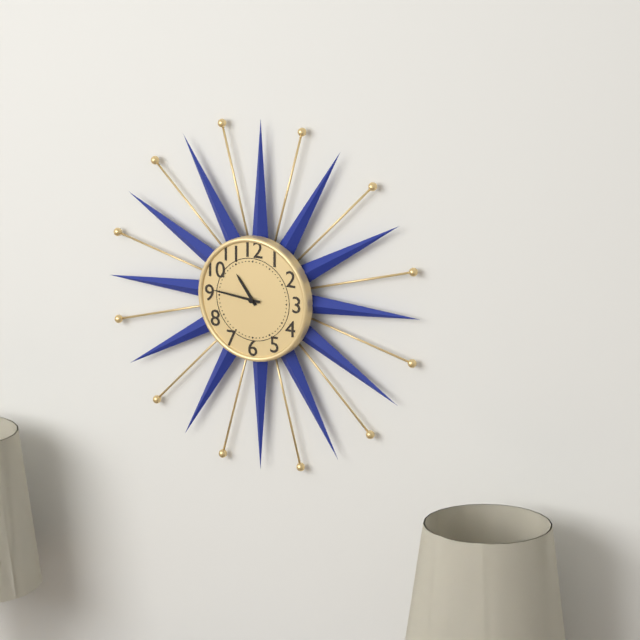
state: 10:46
